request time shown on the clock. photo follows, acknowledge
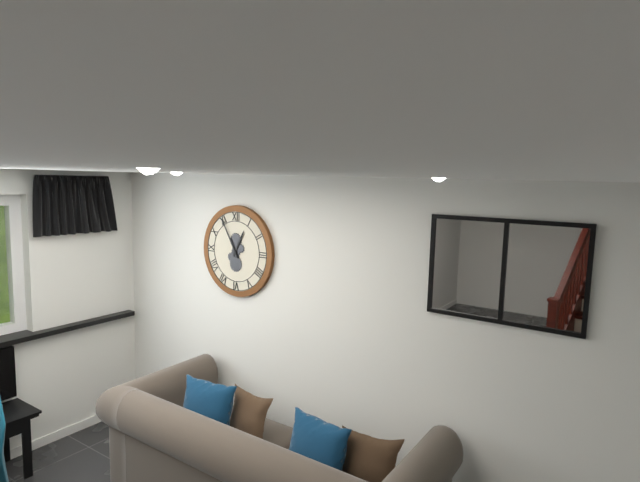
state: 12:55
